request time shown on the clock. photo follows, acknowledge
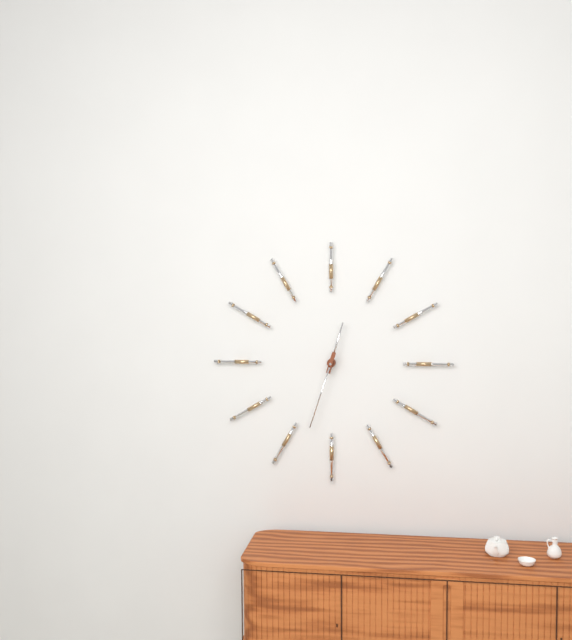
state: 12:33
